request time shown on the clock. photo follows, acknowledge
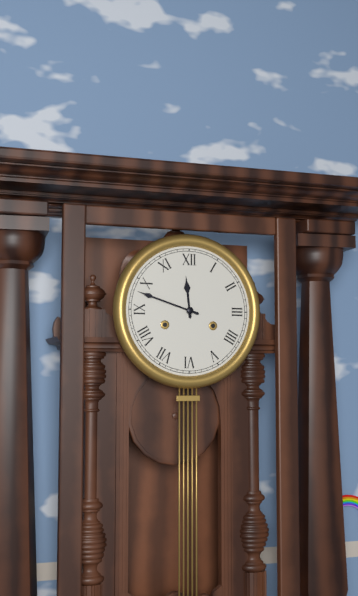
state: 11:48
